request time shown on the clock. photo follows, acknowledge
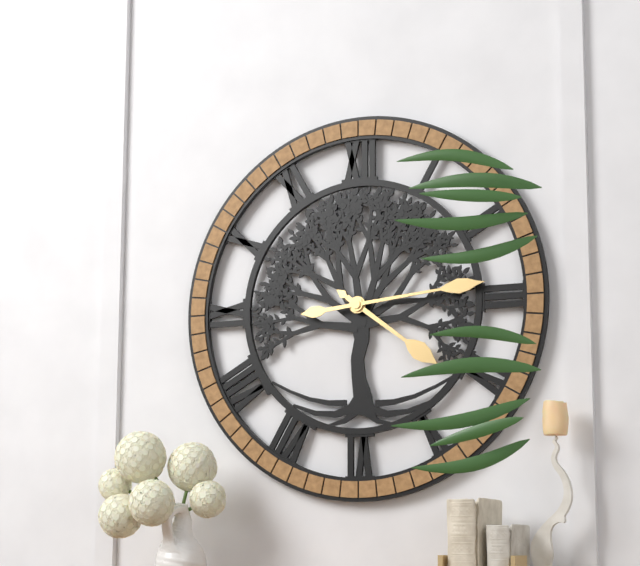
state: 4:14
